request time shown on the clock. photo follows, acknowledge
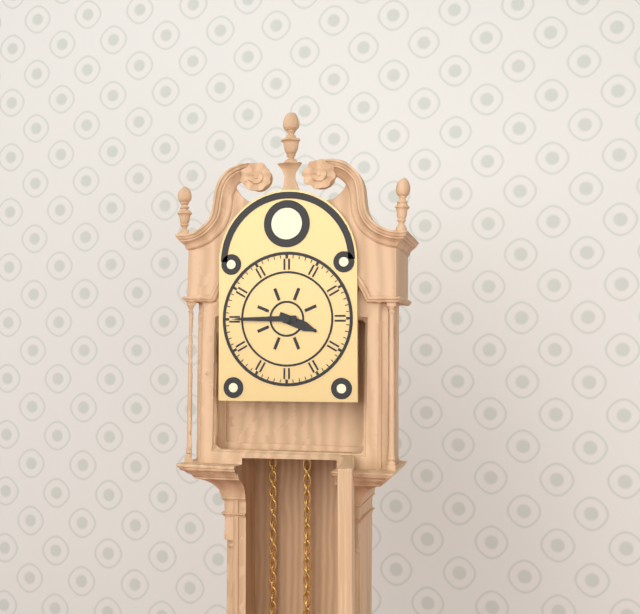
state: 3:45
